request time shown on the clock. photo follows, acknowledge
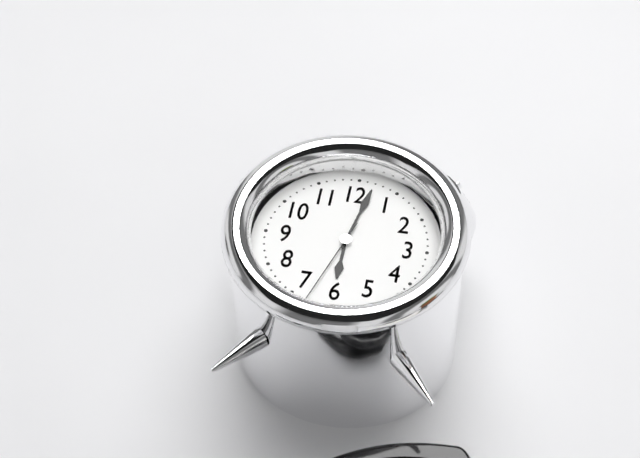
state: 6:02:33
